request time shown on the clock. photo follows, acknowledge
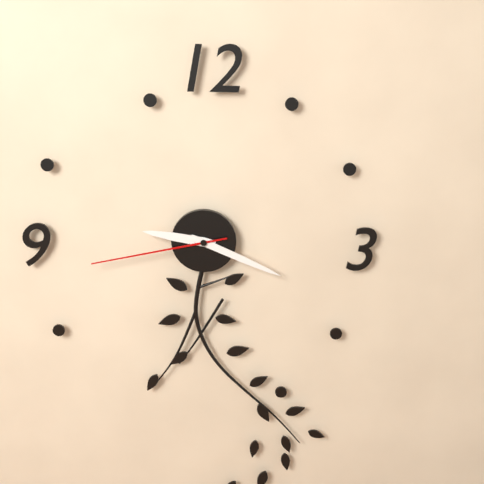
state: 9:19:43
